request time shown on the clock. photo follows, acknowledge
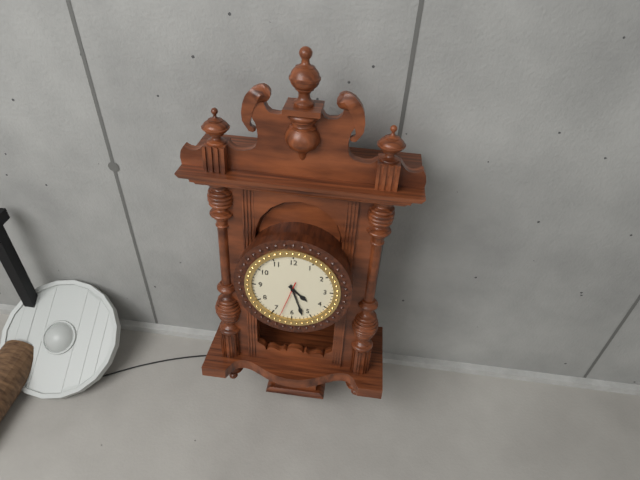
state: 4:27
